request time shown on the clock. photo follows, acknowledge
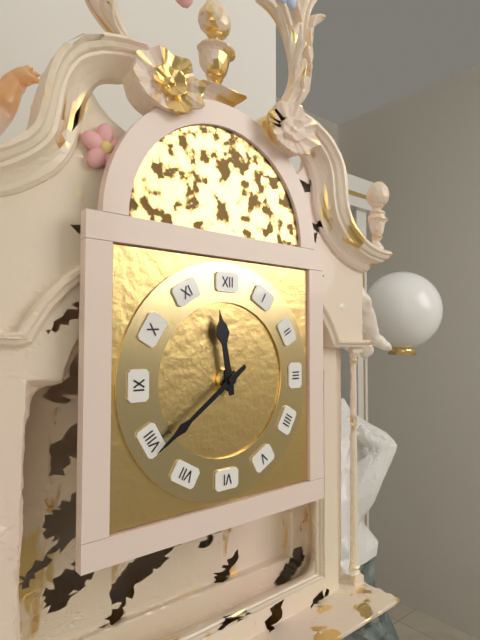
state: 11:39
